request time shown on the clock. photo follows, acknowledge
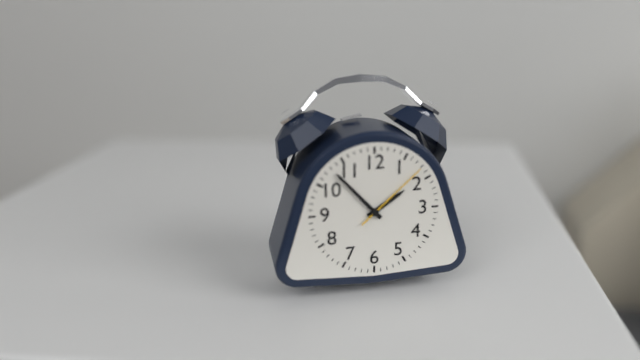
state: 1:53:08
